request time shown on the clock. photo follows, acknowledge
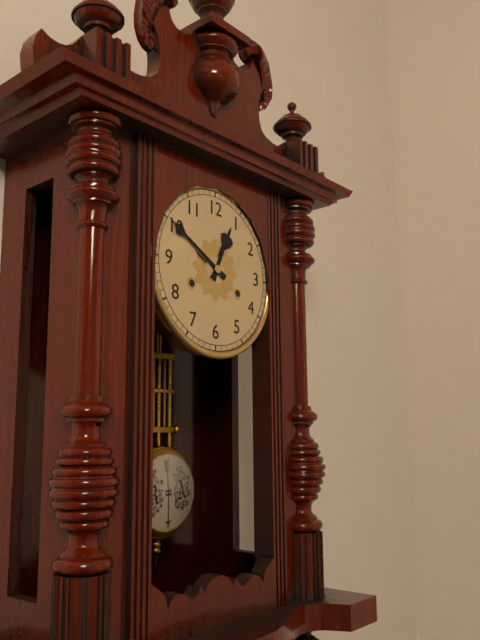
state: 12:50
